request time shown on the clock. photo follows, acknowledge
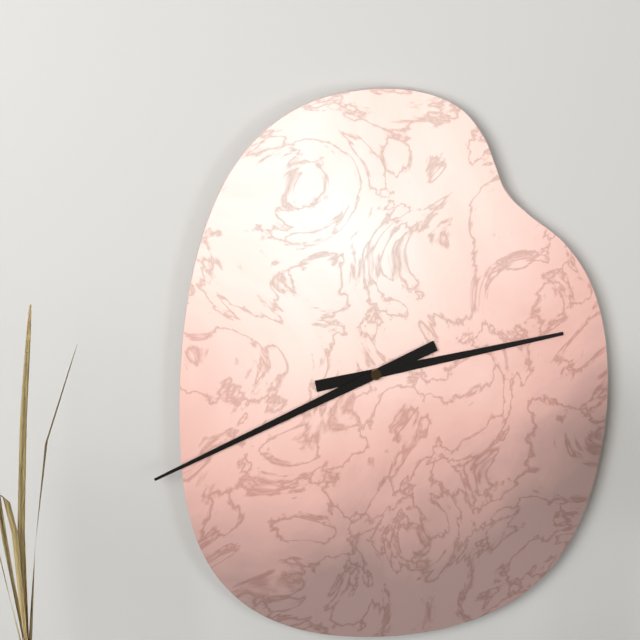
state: 2:41
